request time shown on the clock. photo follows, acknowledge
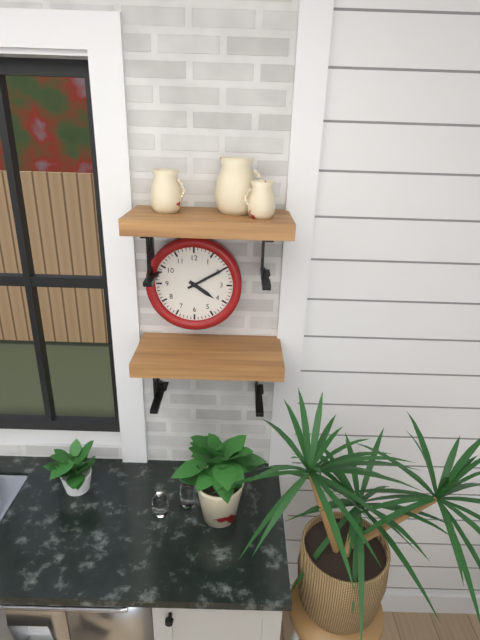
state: 4:10
